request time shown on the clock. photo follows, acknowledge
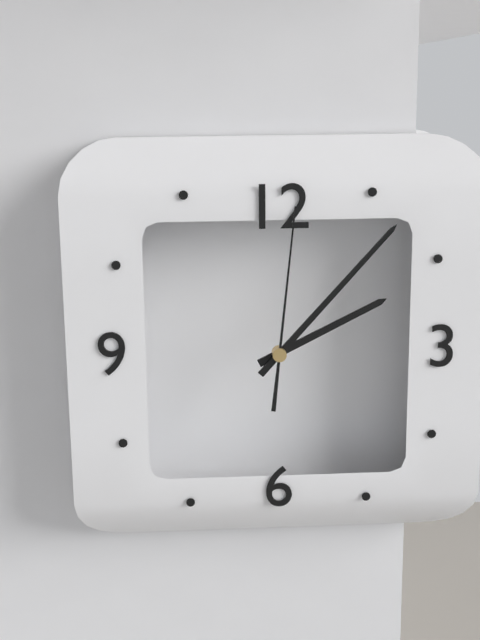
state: 2:07:01
